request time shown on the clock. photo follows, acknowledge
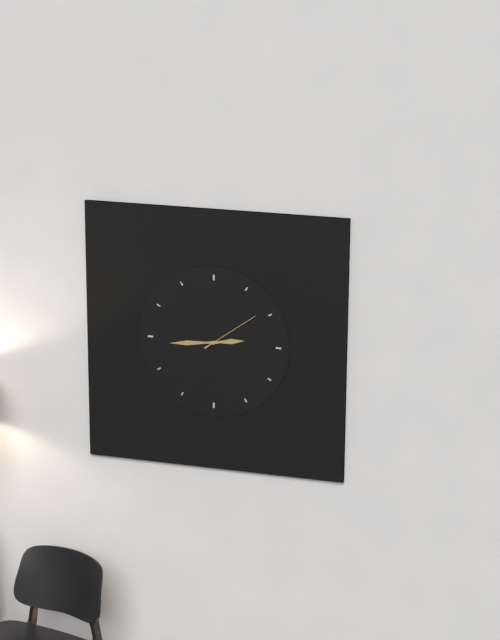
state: 2:44:09
